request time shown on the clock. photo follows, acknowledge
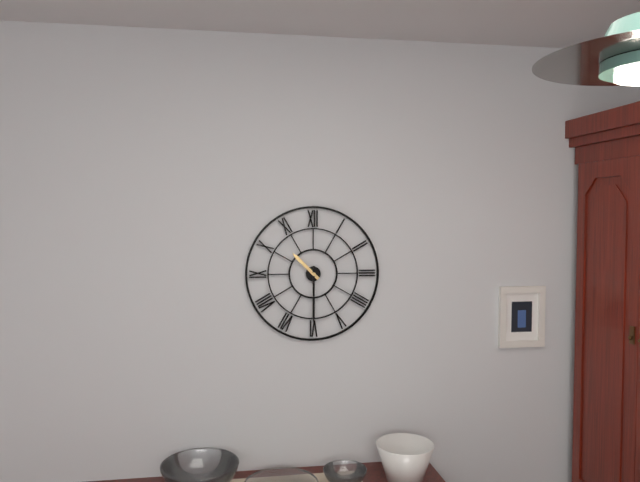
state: 10:30
